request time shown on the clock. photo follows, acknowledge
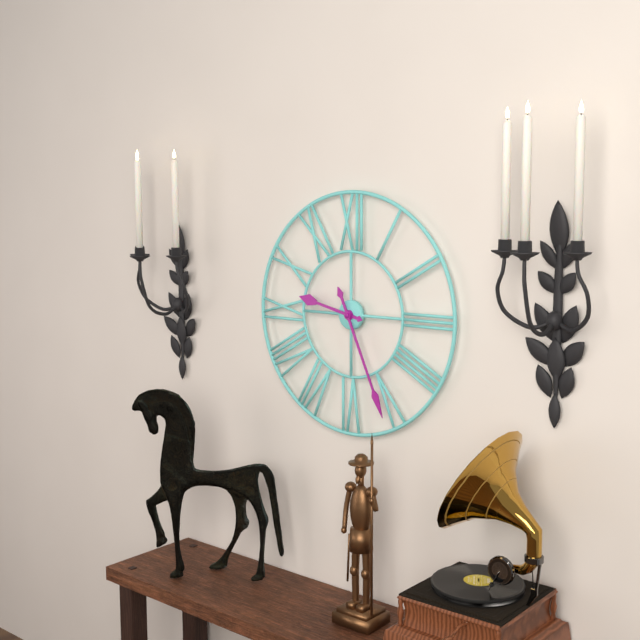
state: 9:26
